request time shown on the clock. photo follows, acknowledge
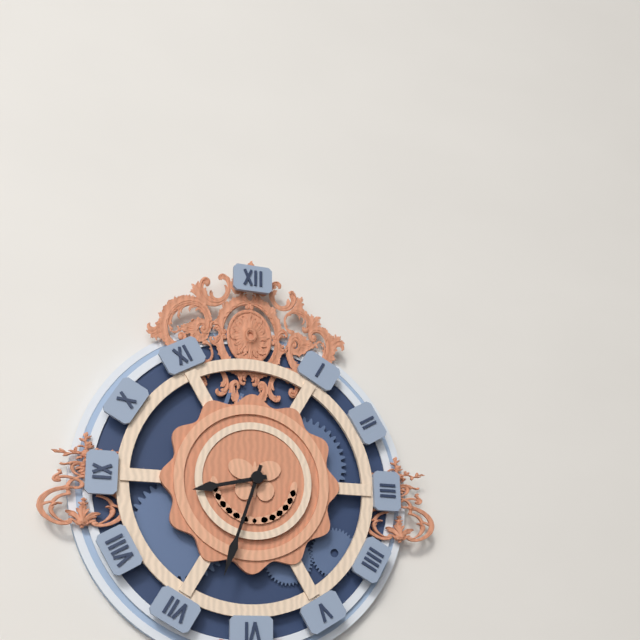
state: 8:33
